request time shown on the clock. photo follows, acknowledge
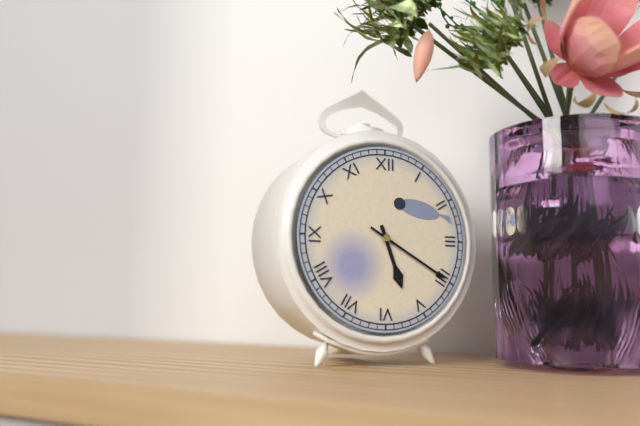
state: 5:20
